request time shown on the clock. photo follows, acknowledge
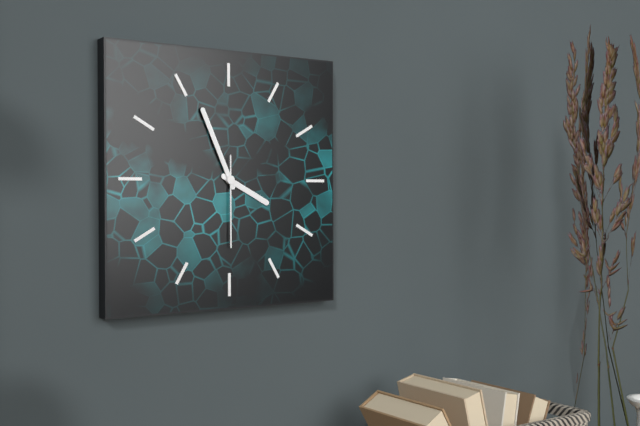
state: 3:56:30
